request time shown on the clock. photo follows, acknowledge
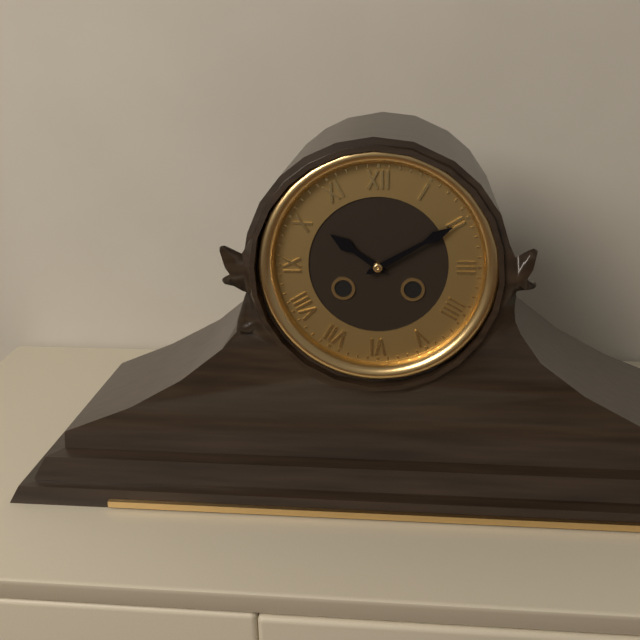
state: 10:10
